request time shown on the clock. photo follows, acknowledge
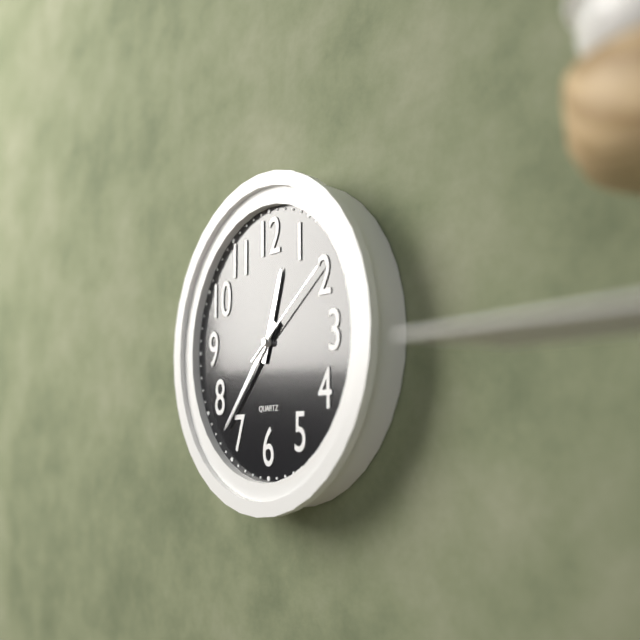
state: 12:37:09
